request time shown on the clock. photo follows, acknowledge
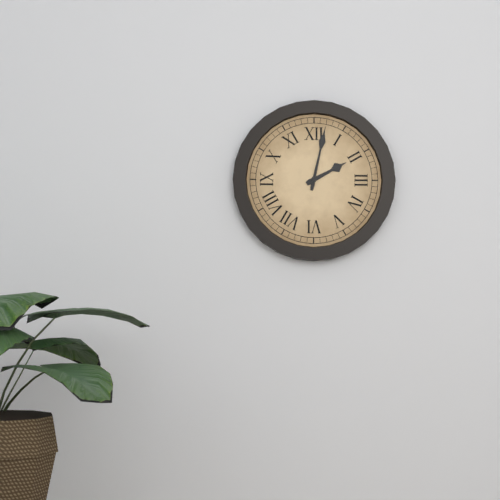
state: 2:02
